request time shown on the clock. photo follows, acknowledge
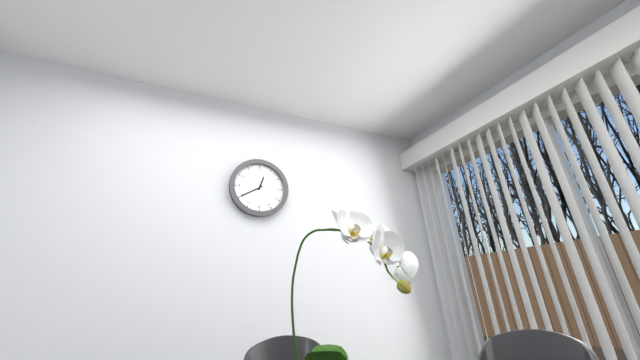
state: 12:40
